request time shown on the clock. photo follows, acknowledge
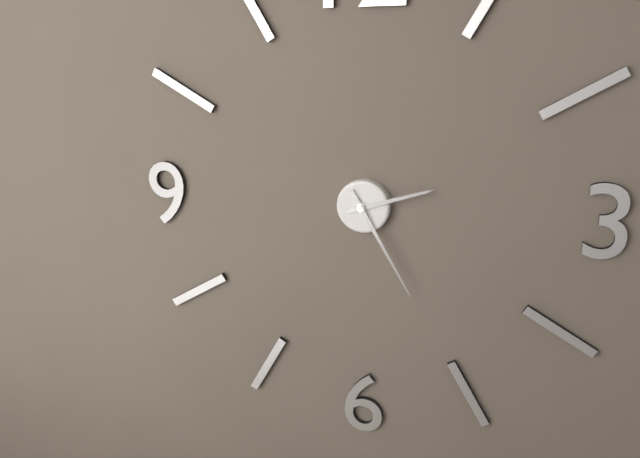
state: 2:25
